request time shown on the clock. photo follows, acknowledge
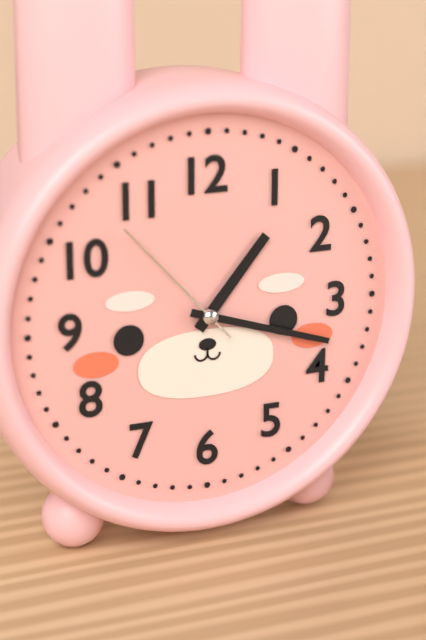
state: 1:18:53
